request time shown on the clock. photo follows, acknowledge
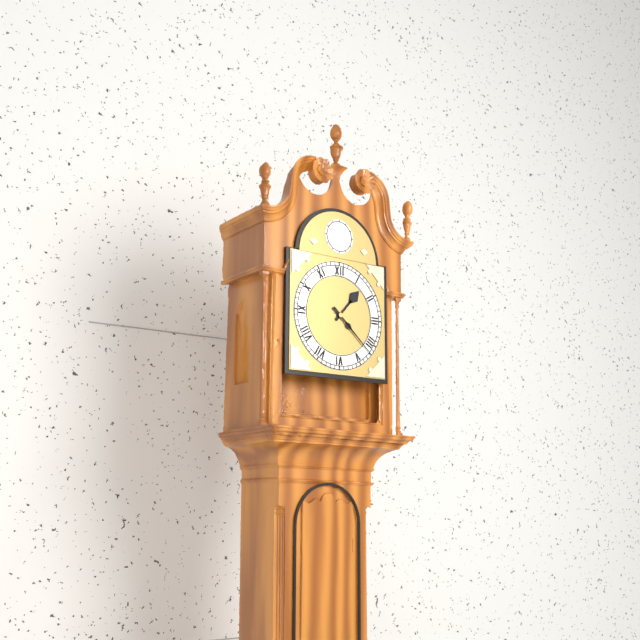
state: 1:22
